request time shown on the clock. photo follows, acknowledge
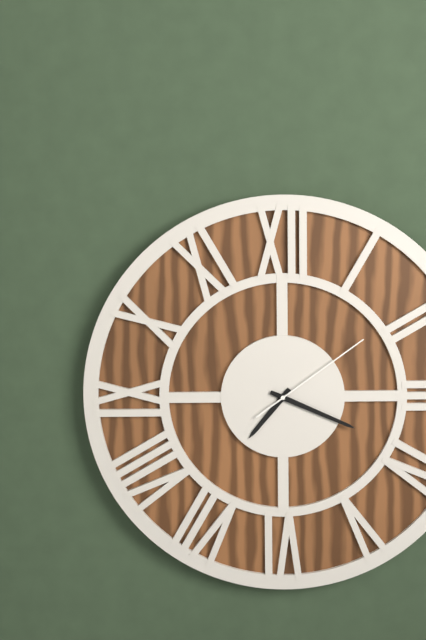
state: 7:19:09
